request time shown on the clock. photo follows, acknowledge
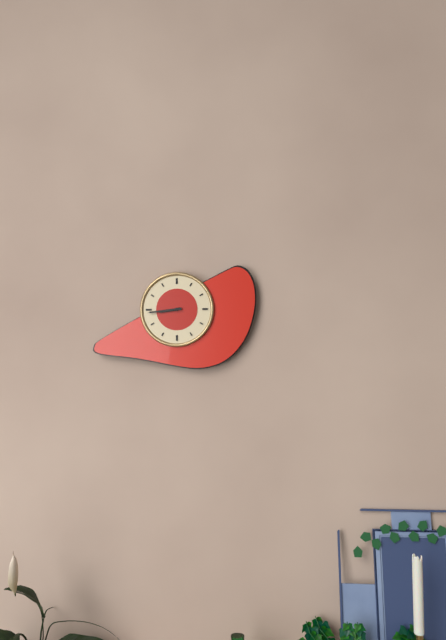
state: 8:44
